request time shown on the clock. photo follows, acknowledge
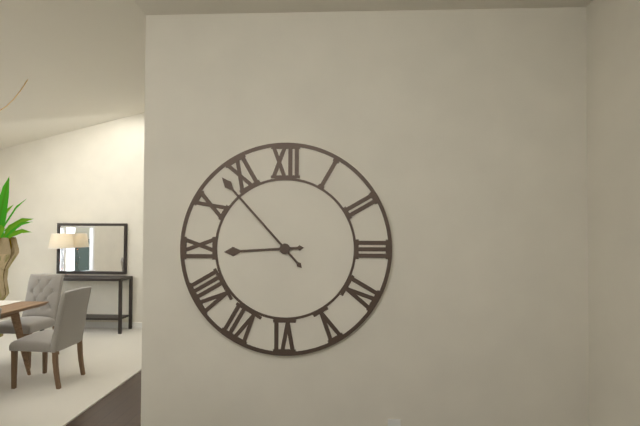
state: 8:53
